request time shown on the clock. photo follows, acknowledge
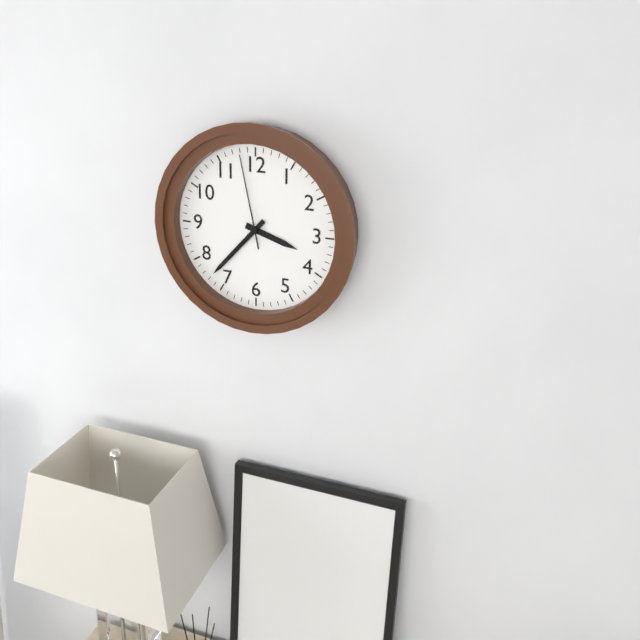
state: 3:37:58
